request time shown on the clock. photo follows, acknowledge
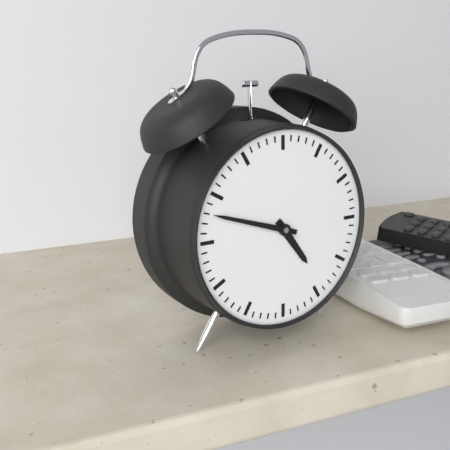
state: 4:48
